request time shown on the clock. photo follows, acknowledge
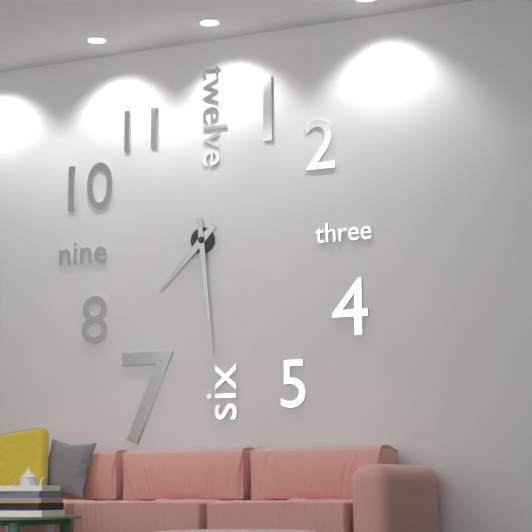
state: 7:29
